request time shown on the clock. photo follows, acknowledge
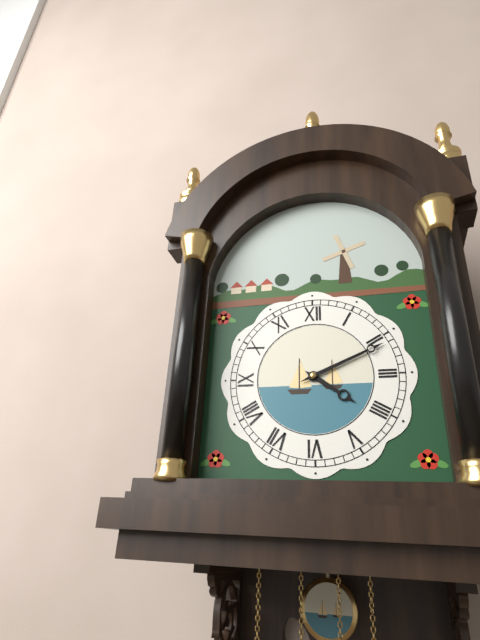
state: 4:11
